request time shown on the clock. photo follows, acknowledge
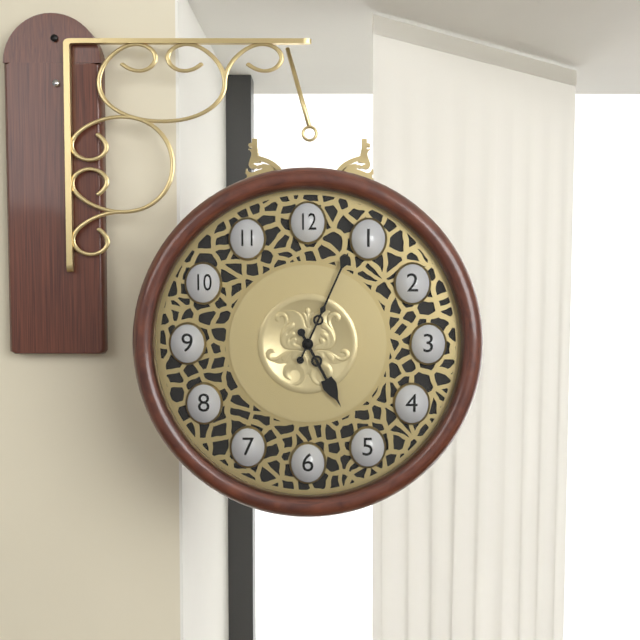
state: 5:04
